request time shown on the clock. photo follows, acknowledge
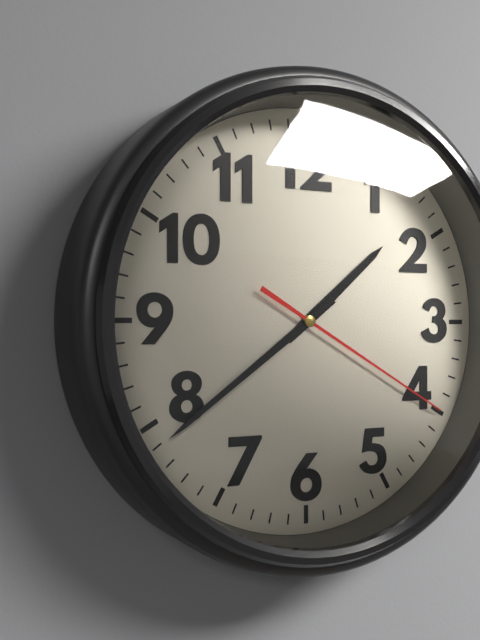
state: 1:39:20
